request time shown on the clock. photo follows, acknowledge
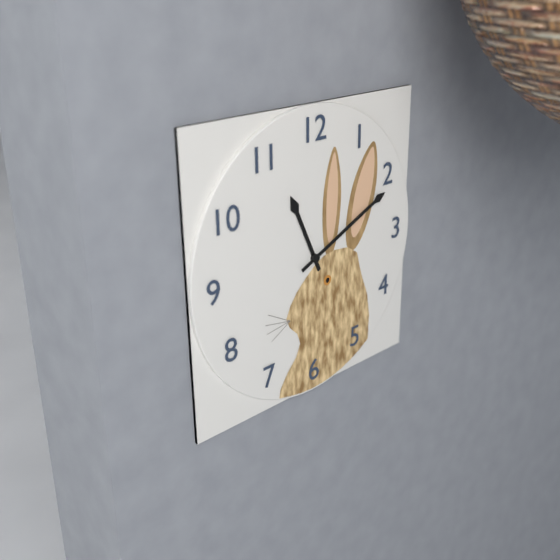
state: 11:11
